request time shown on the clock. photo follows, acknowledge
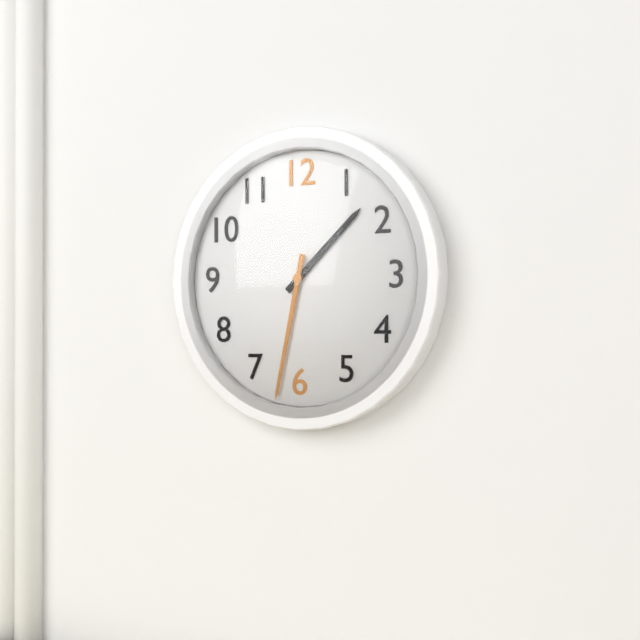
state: 1:32
